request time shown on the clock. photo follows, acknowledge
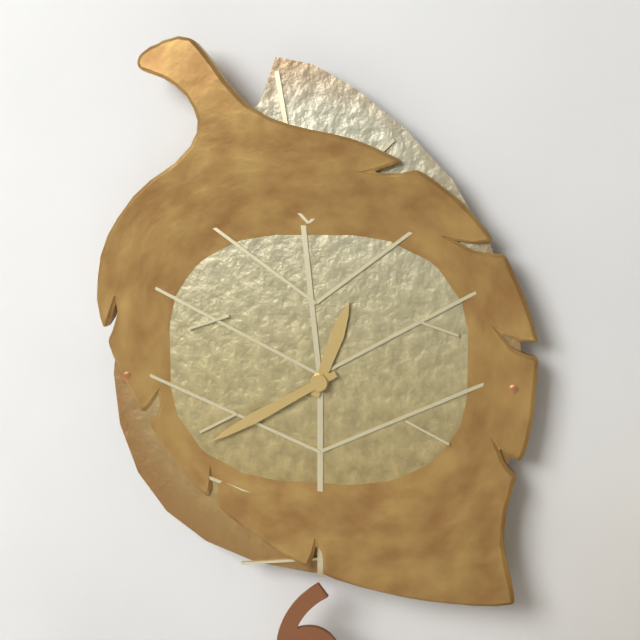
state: 12:40
